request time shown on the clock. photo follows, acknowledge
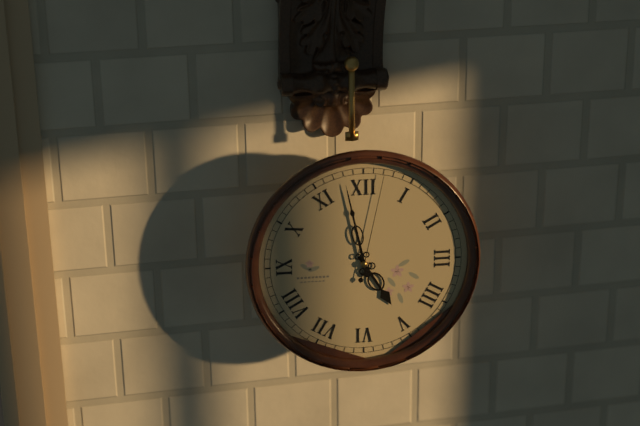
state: 4:58:02
